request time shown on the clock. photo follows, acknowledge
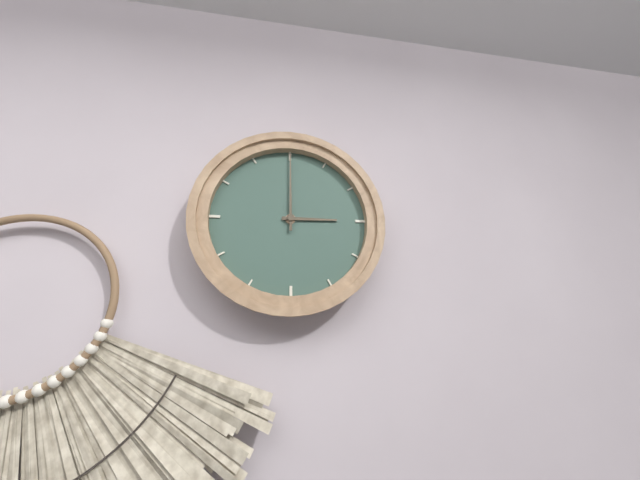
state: 3:00
